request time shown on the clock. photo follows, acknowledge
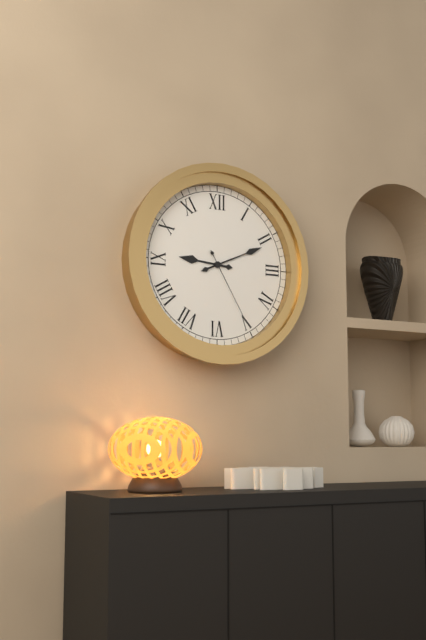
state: 9:11:25
